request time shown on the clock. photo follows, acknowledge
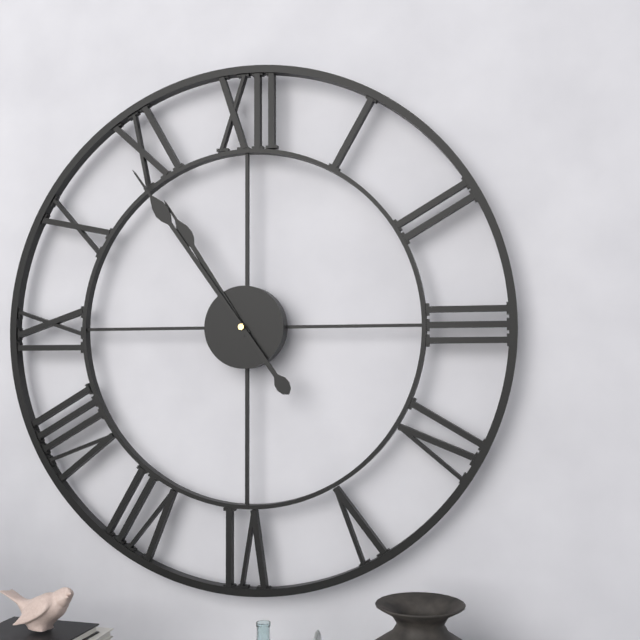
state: 10:54
